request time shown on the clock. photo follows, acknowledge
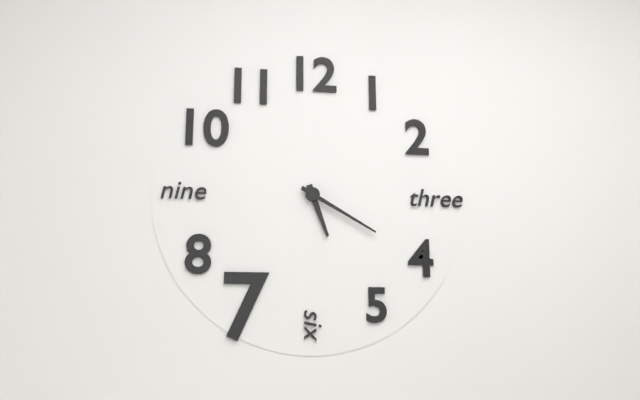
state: 5:20
